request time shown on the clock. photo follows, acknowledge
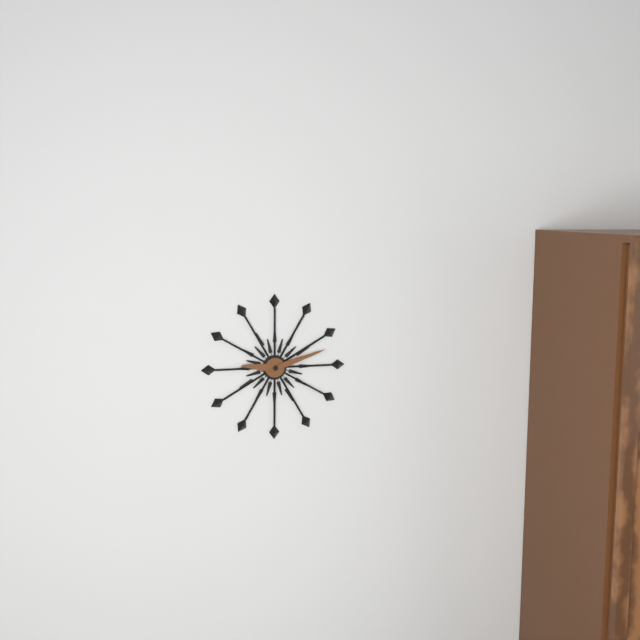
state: 9:12
